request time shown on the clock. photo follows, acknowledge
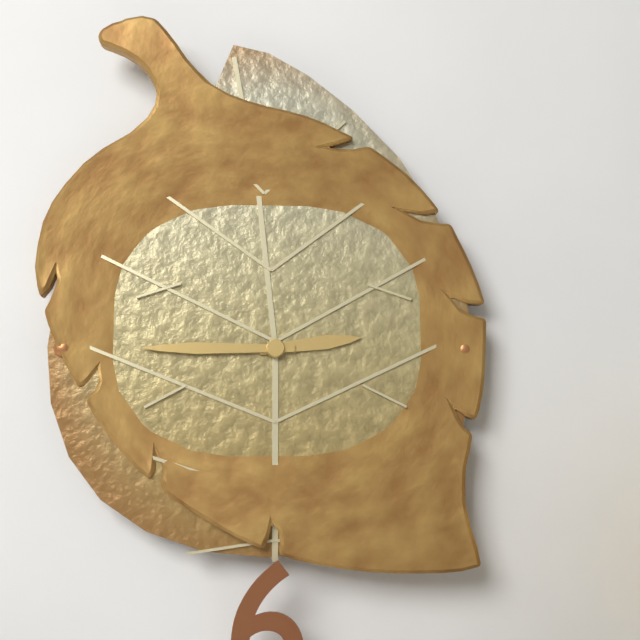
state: 2:45
